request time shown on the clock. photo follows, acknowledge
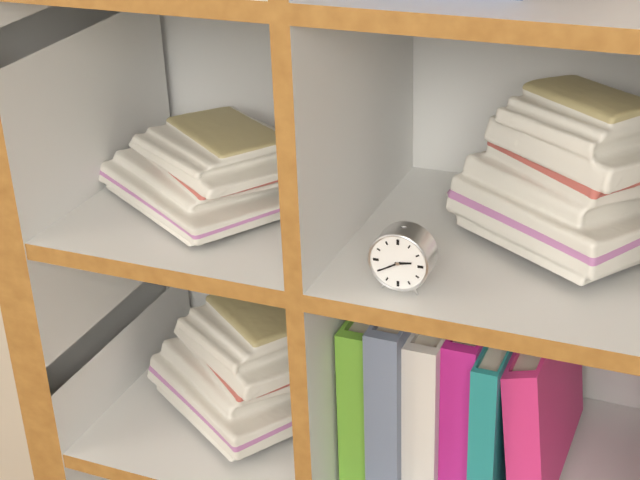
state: 2:40
